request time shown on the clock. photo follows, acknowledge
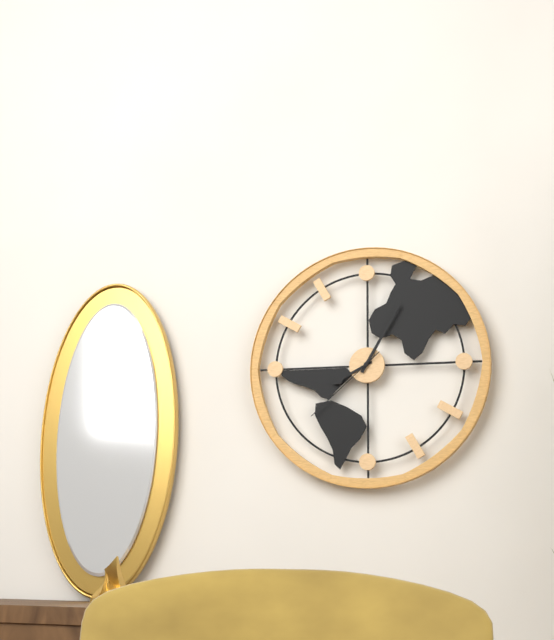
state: 8:05:38
